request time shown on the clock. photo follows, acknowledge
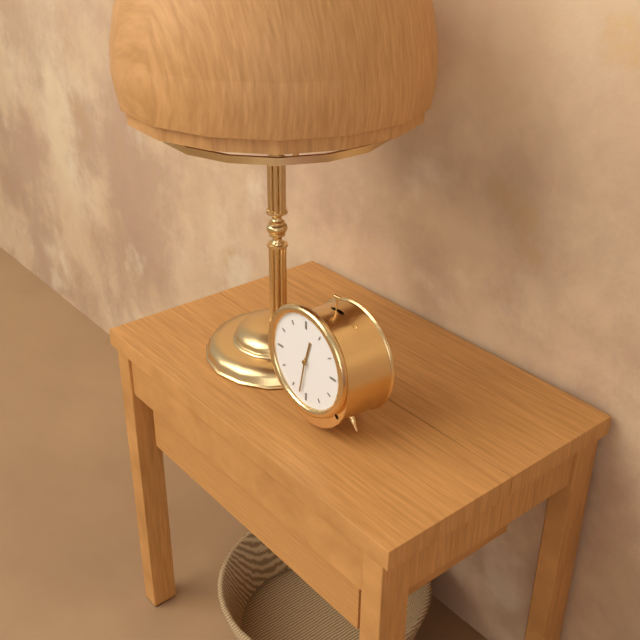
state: 12:32
